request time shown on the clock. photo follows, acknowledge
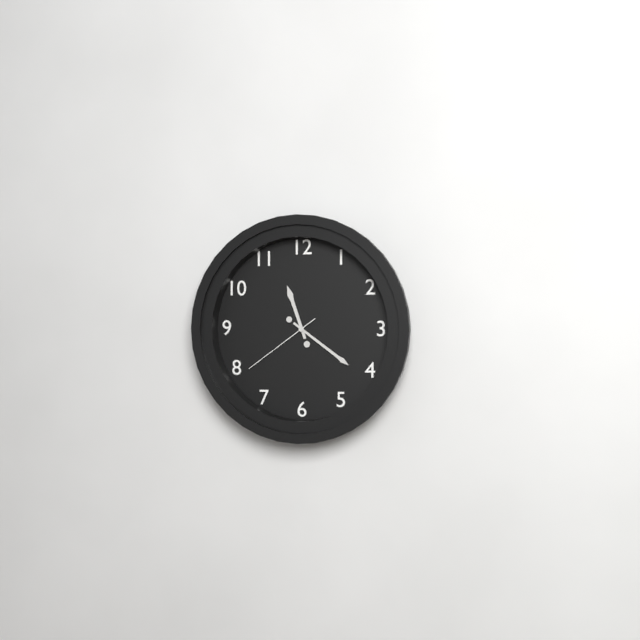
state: 11:21:39
